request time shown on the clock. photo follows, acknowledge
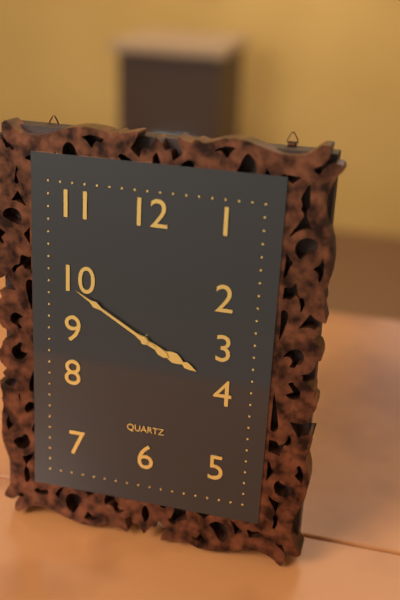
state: 3:50
